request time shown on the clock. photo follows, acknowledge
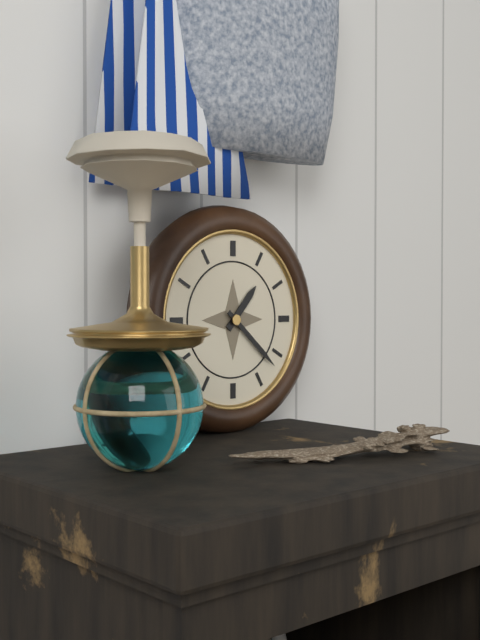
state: 1:22
